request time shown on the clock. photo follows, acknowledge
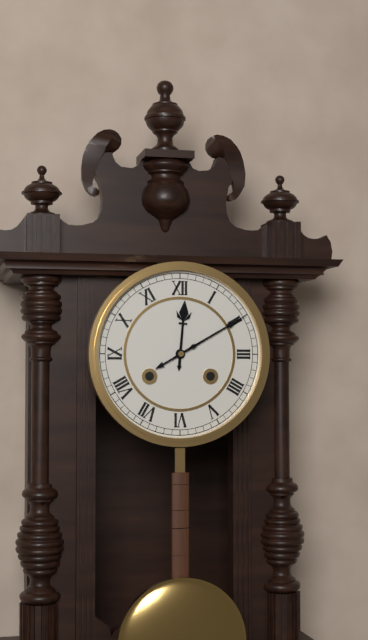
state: 12:10
